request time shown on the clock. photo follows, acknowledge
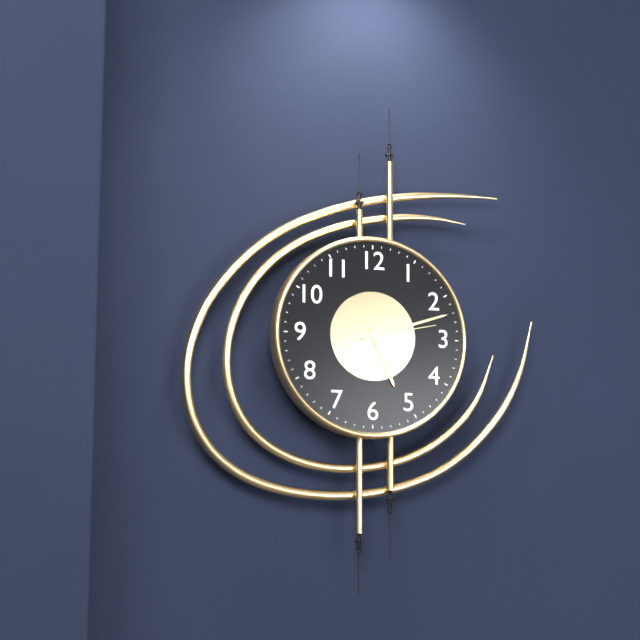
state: 5:12:13
